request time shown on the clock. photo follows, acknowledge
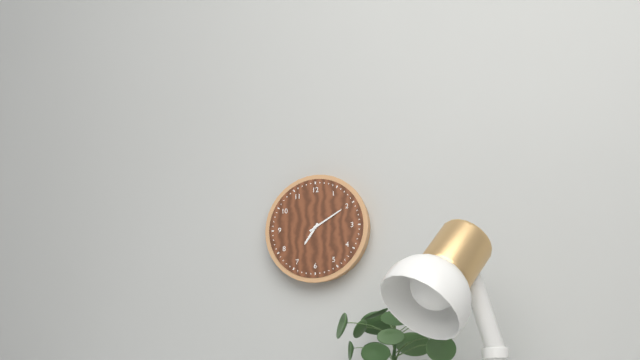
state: 7:10
